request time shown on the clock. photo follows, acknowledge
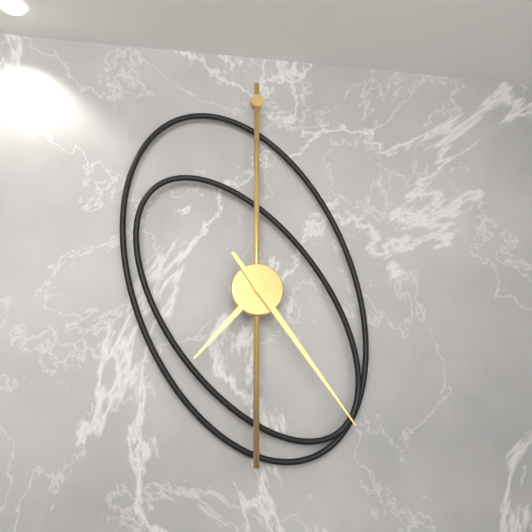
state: 7:24
